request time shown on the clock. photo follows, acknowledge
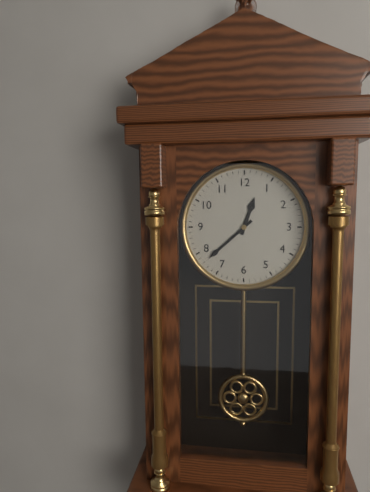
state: 12:38
